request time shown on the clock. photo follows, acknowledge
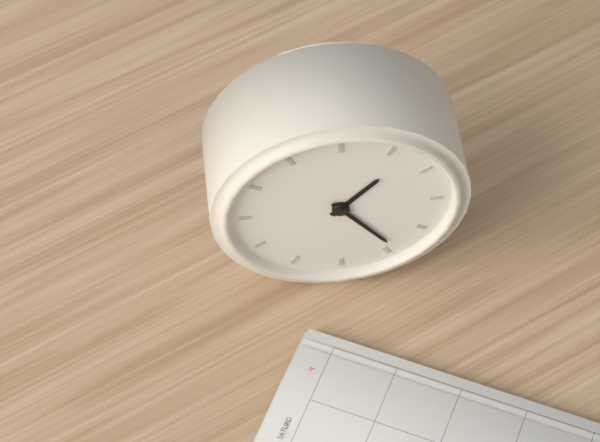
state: 1:24
